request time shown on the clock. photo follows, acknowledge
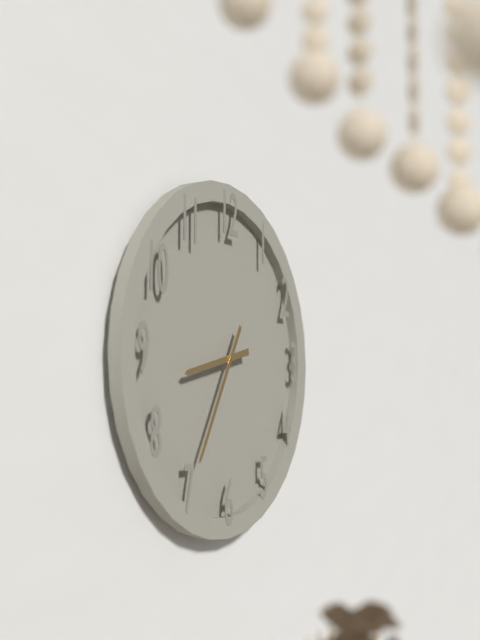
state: 8:35
